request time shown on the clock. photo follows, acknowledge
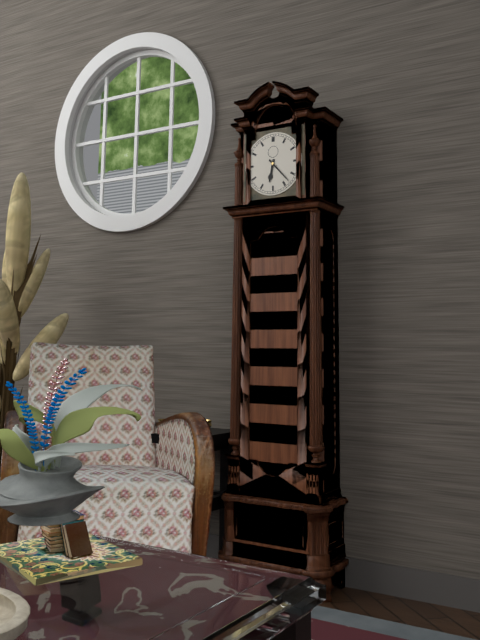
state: 6:23
